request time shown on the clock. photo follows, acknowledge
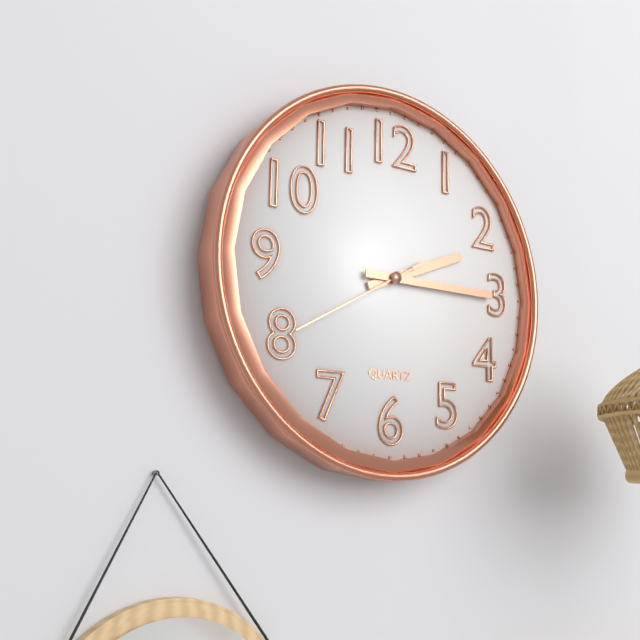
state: 2:15:40
